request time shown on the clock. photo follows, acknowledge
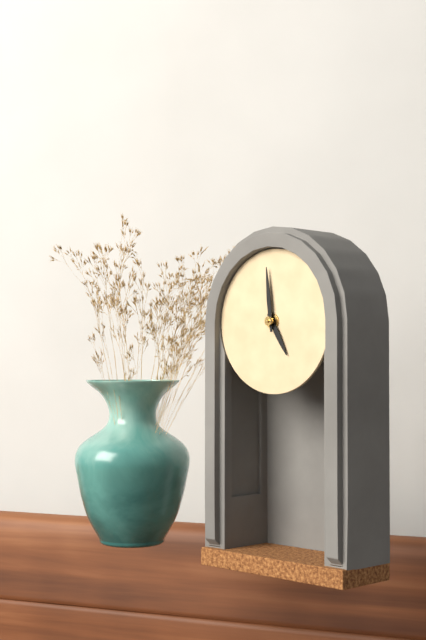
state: 4:59
